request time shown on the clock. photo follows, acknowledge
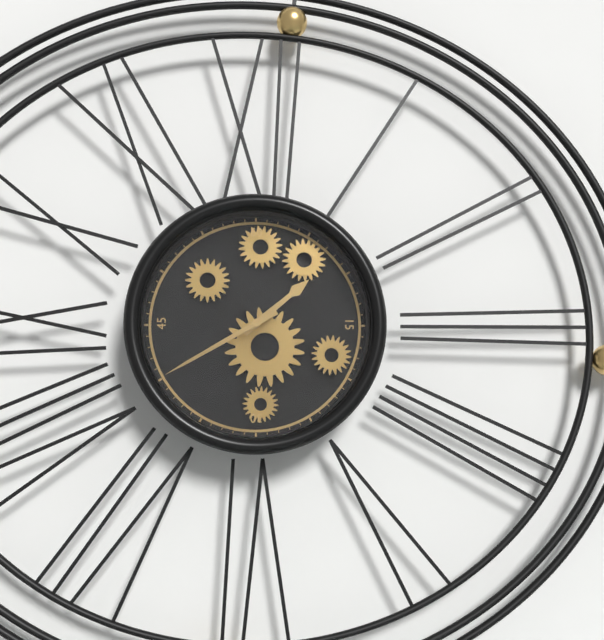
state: 1:40
